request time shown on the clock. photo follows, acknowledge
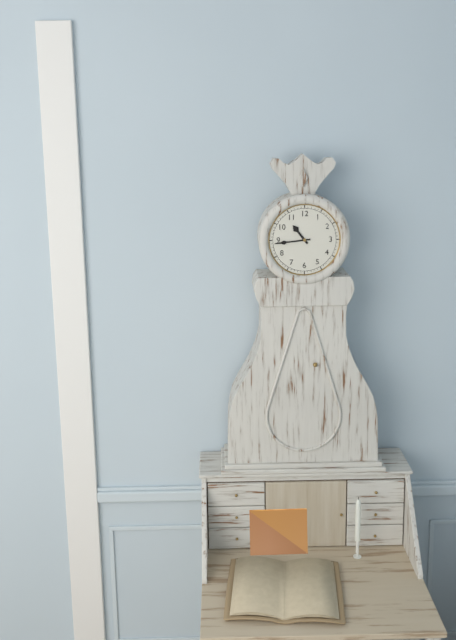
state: 10:44
